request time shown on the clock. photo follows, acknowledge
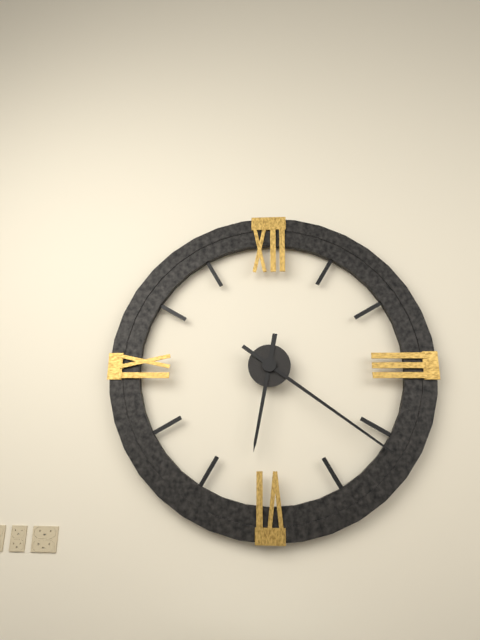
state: 6:21
